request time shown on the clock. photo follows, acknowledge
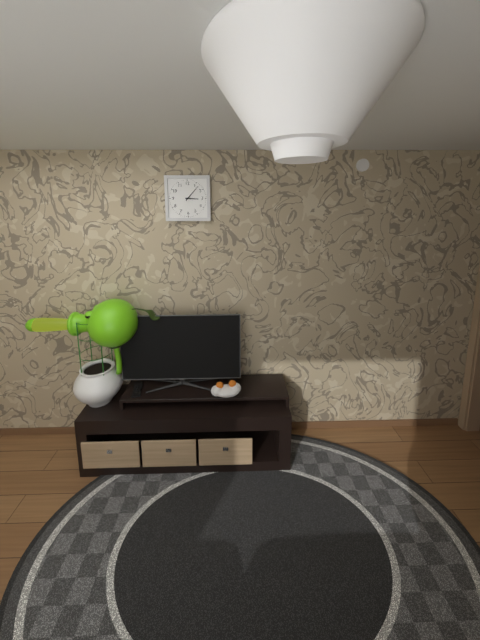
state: 3:07
